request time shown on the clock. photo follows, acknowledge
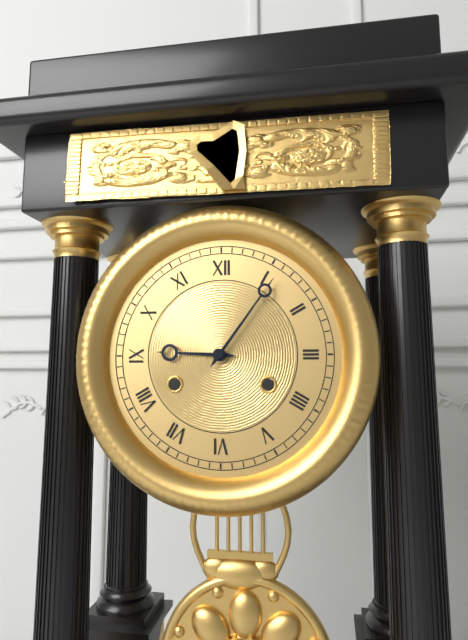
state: 9:06
